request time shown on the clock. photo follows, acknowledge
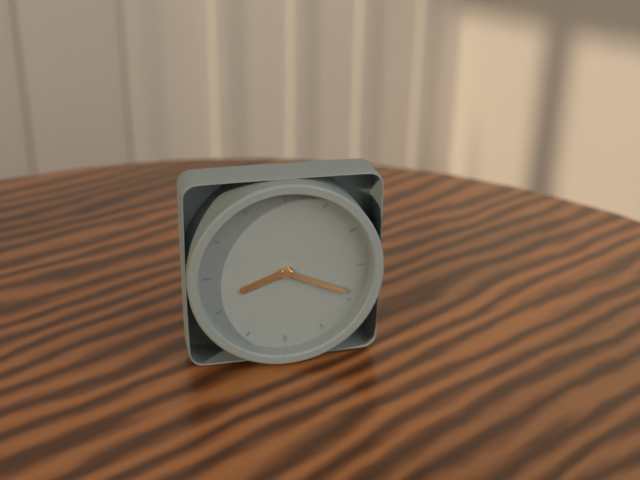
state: 8:19
